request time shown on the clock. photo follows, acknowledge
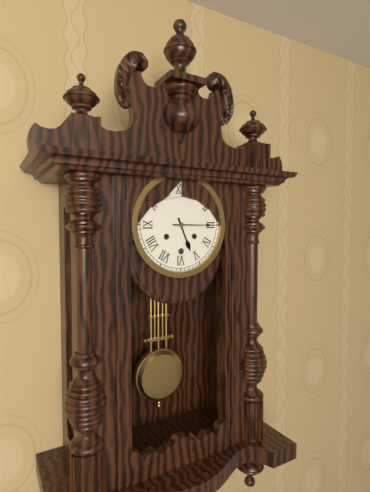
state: 5:15
